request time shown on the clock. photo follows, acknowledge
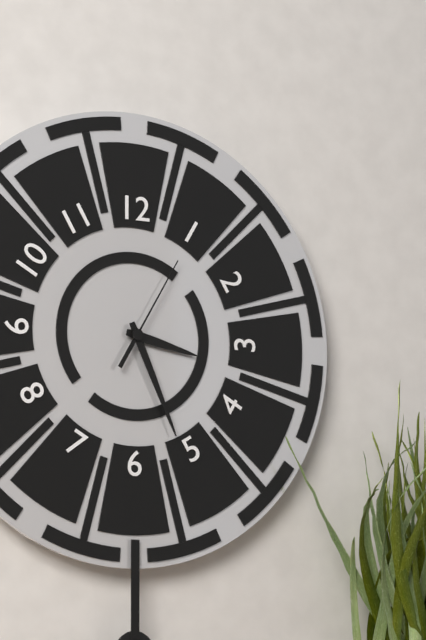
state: 3:26:05
